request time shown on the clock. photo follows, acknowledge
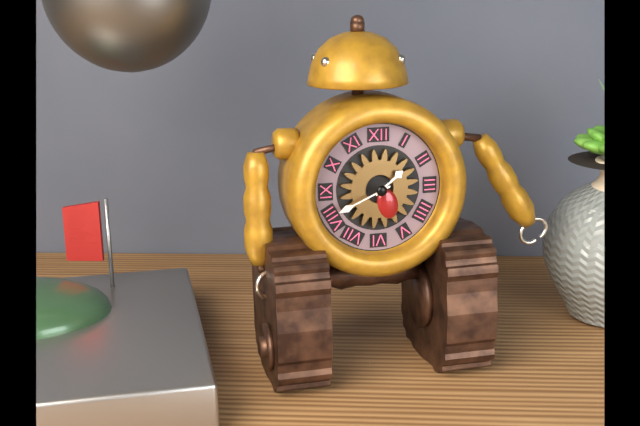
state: 1:41
